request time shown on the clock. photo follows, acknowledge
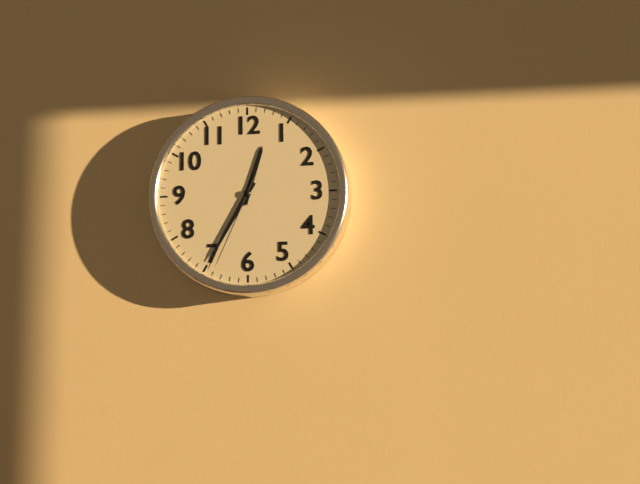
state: 12:35:34
